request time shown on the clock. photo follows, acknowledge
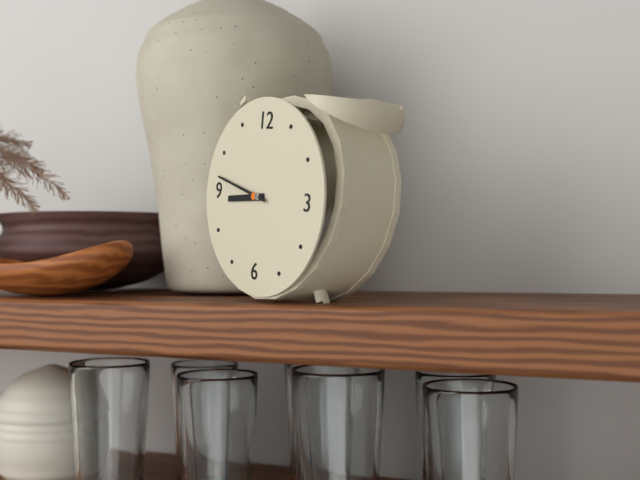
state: 8:47
